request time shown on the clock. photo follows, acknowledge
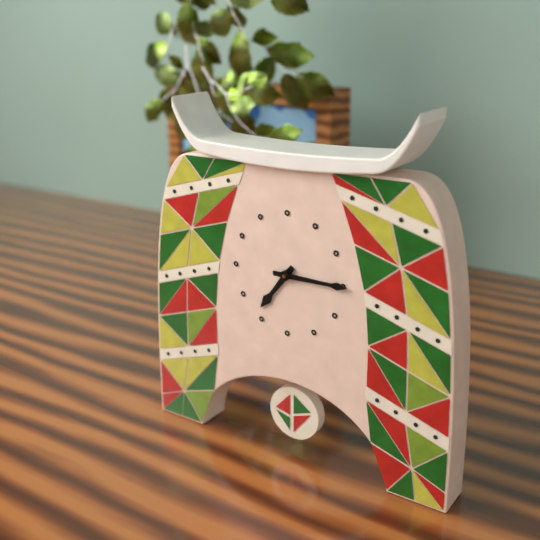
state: 7:15
